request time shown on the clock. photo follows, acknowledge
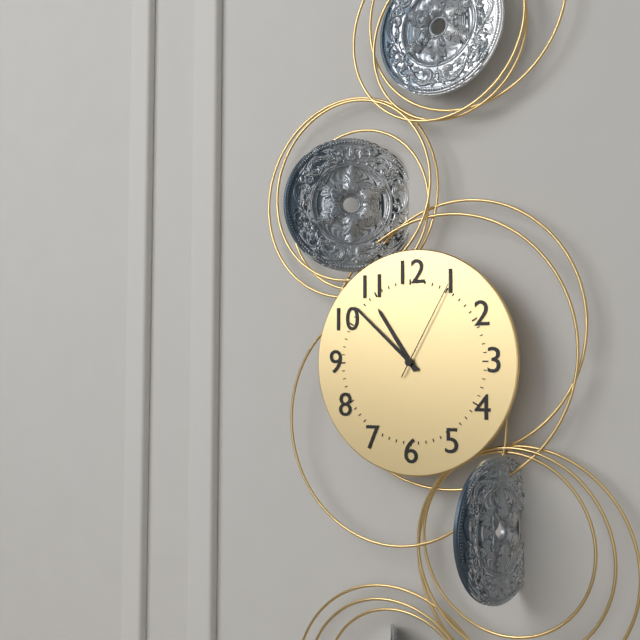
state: 10:52:05
